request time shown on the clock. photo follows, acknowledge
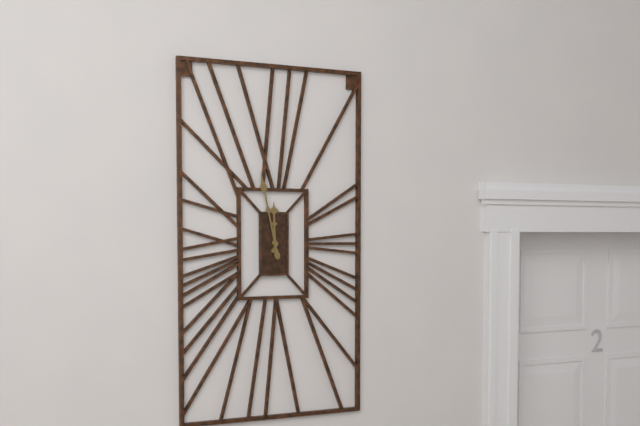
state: 11:58
